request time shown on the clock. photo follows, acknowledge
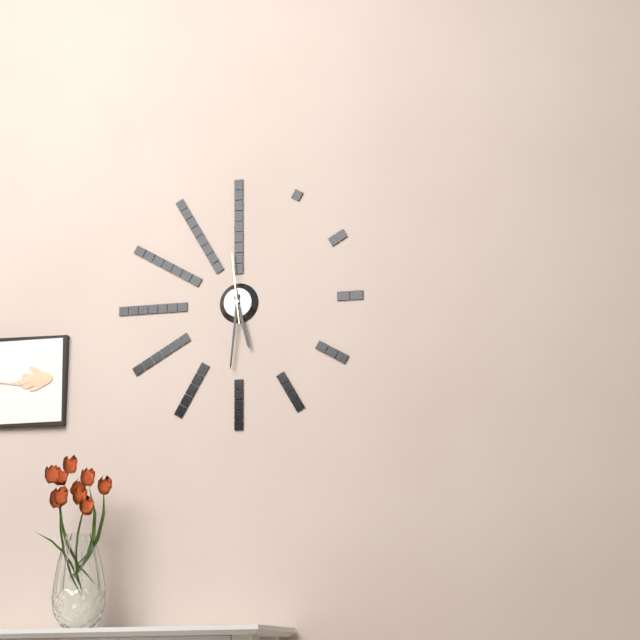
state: 5:31:59
